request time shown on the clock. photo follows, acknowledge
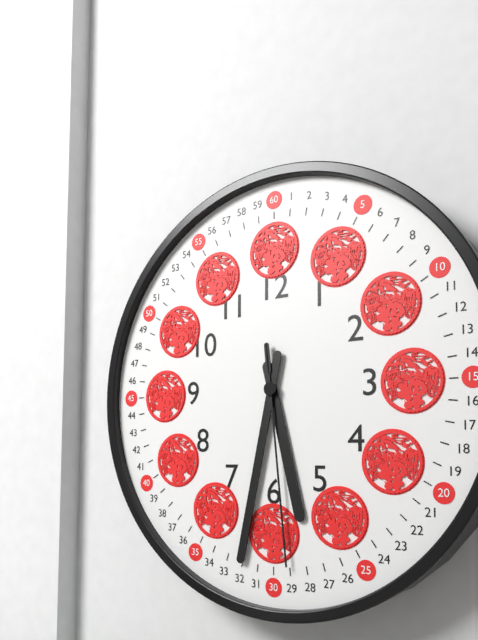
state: 5:32:29
